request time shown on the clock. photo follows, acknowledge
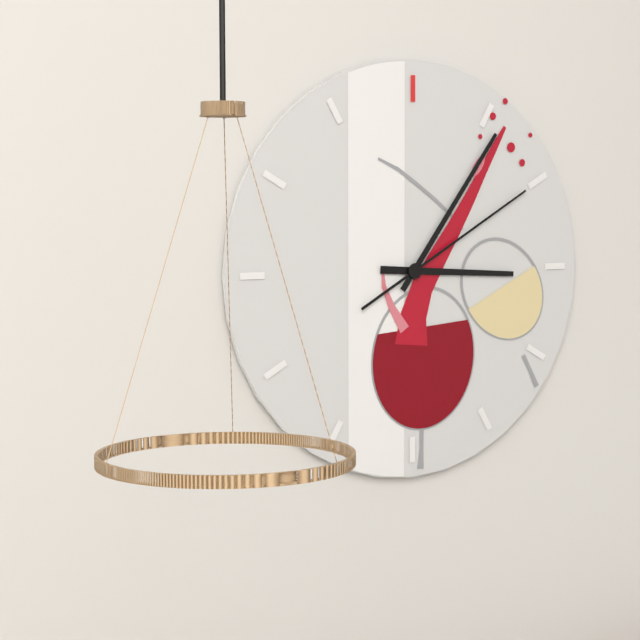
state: 3:06:10
